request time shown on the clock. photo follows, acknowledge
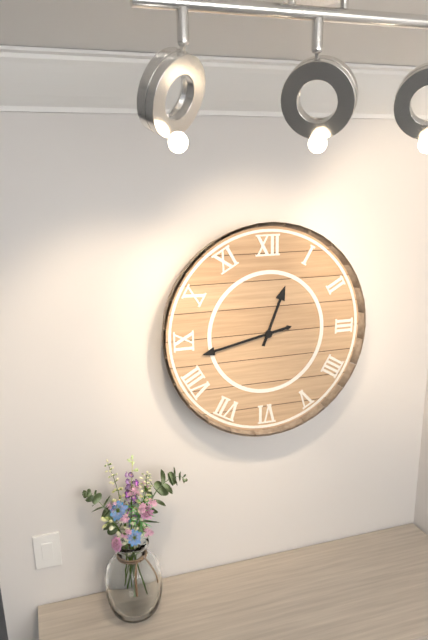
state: 12:43
